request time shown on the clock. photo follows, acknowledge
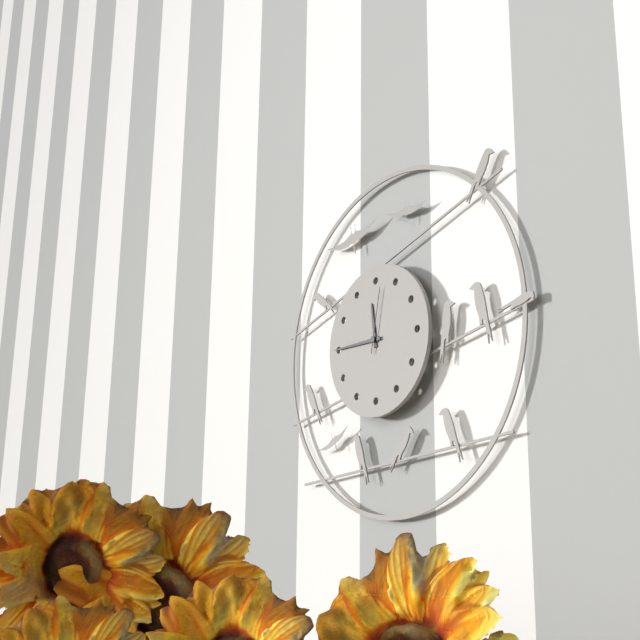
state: 11:45:02
